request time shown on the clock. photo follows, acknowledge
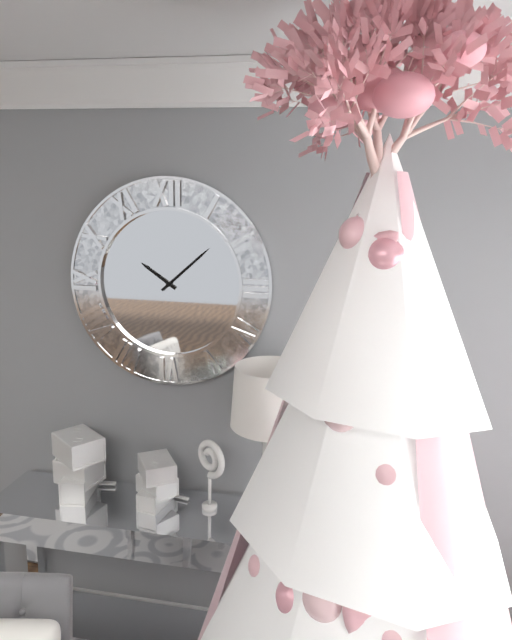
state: 10:08
